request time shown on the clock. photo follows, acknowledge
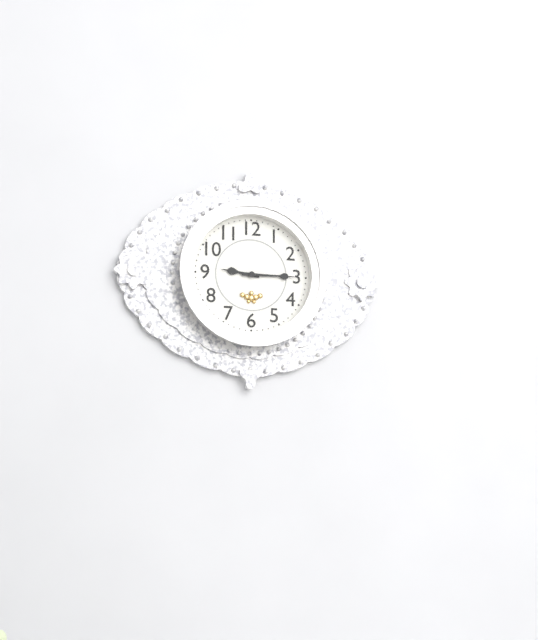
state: 9:15
